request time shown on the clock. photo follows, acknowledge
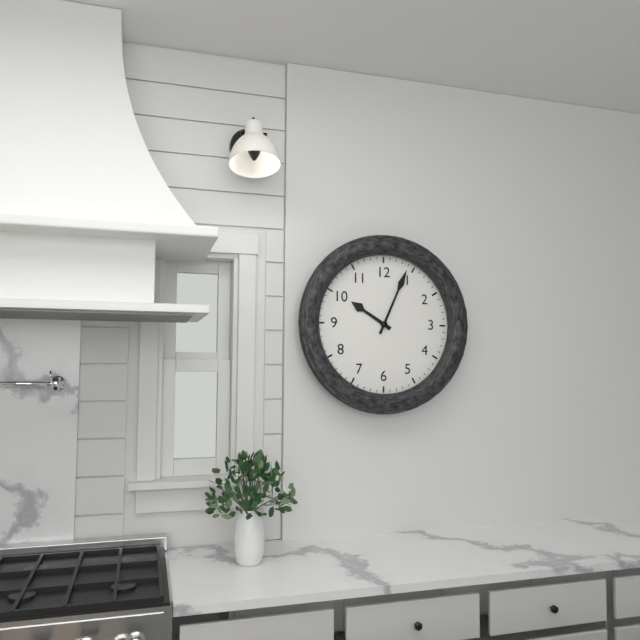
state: 10:04
